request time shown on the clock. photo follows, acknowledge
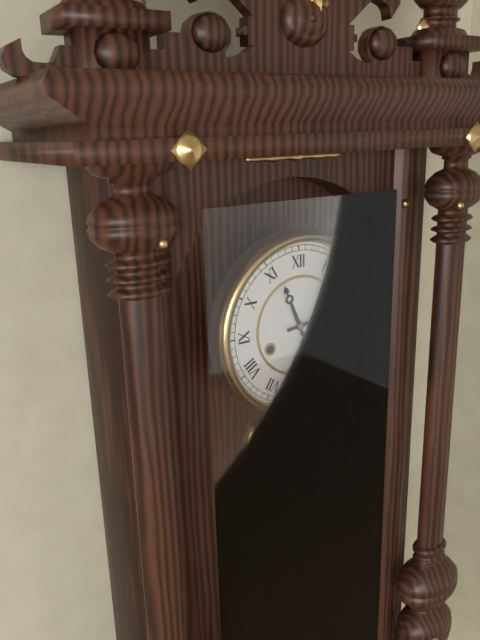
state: 11:14
